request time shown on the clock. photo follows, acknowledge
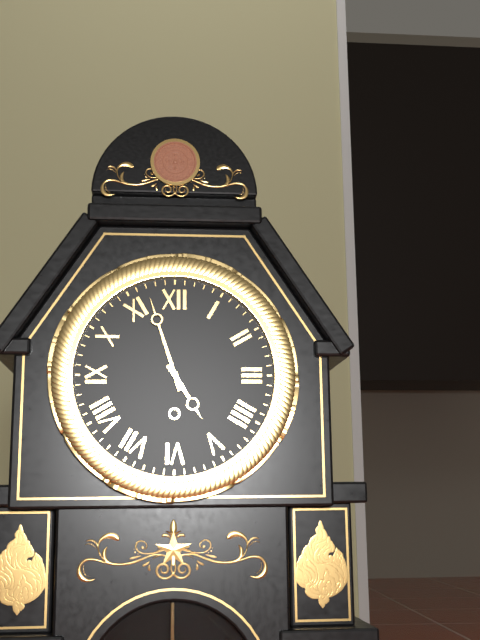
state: 4:57
